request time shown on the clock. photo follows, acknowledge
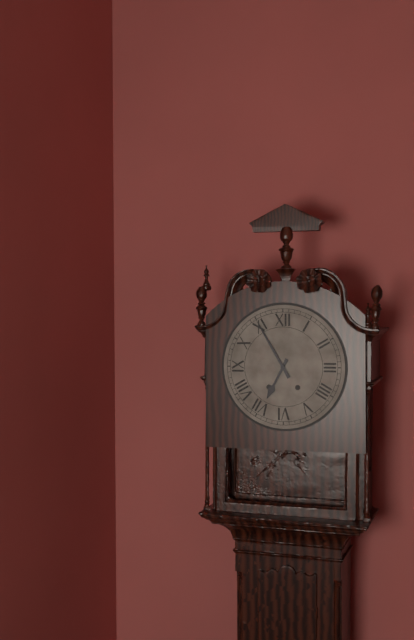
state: 6:55
